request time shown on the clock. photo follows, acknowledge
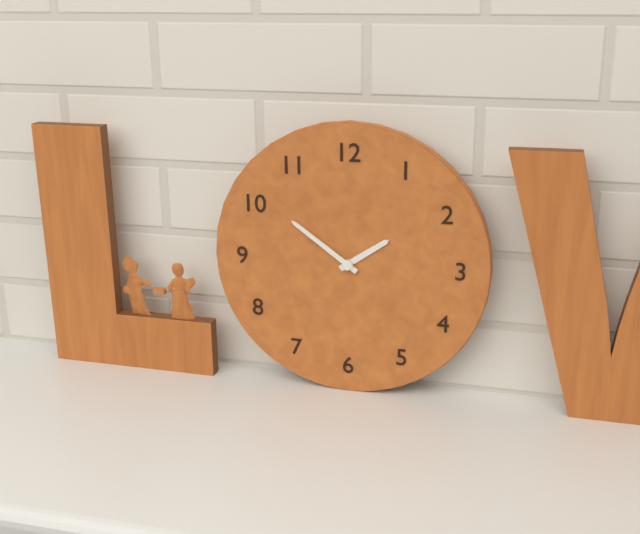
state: 1:51
